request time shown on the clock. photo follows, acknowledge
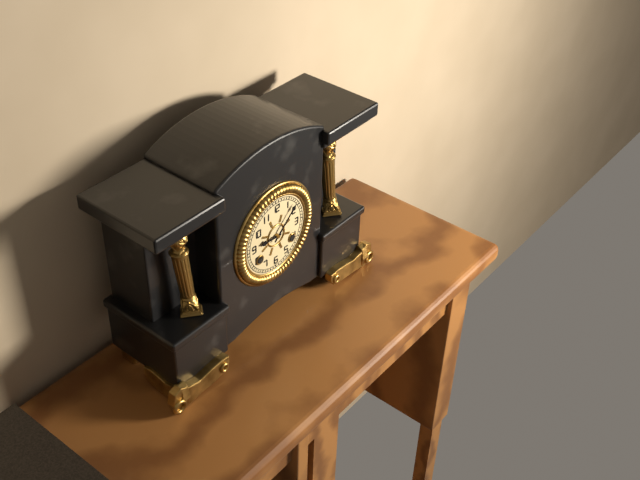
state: 9:08
